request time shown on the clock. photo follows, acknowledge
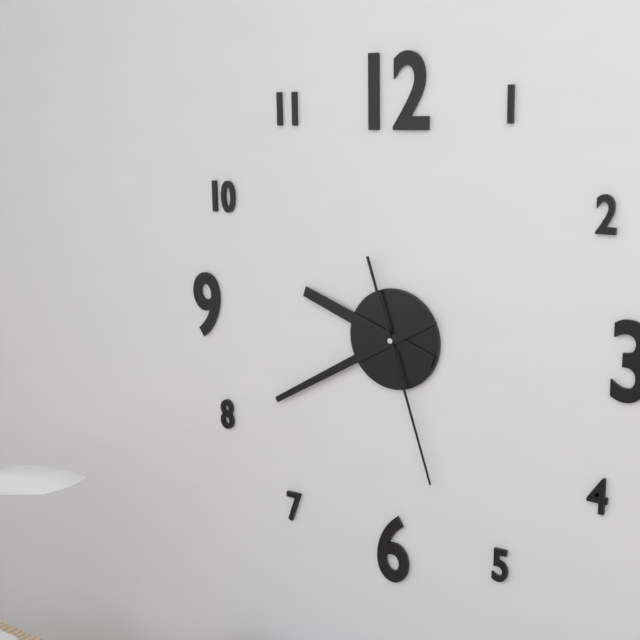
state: 9:40:27
